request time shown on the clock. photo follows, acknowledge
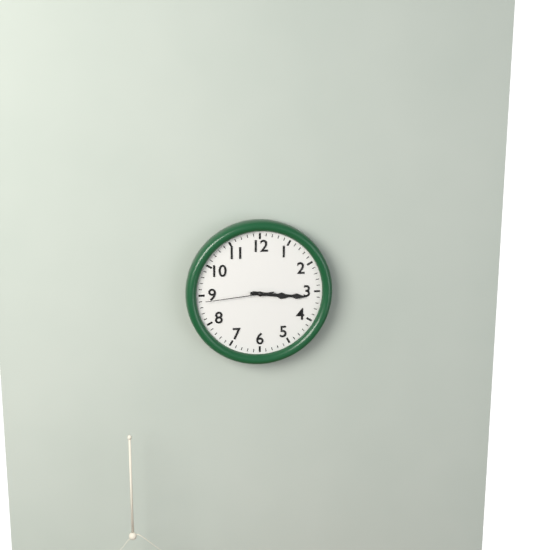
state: 3:16:44
